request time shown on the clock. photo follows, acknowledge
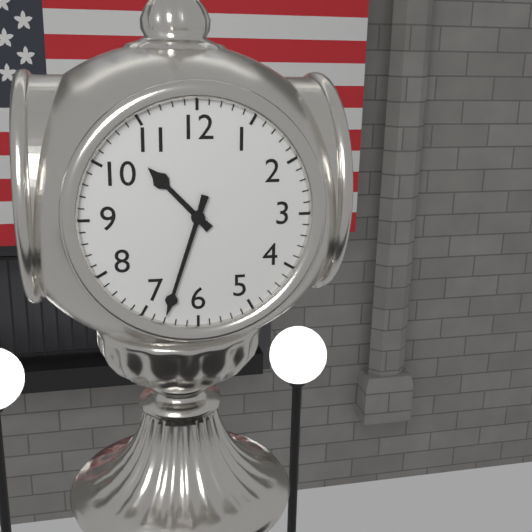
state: 10:33
